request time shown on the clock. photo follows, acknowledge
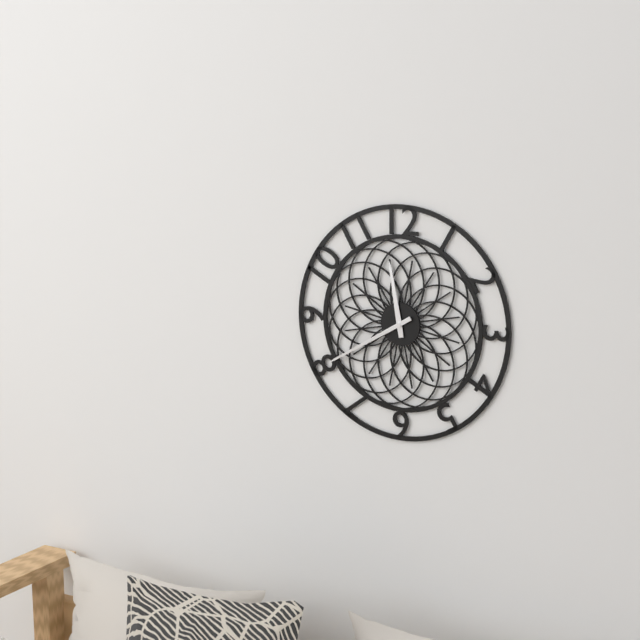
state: 11:40
